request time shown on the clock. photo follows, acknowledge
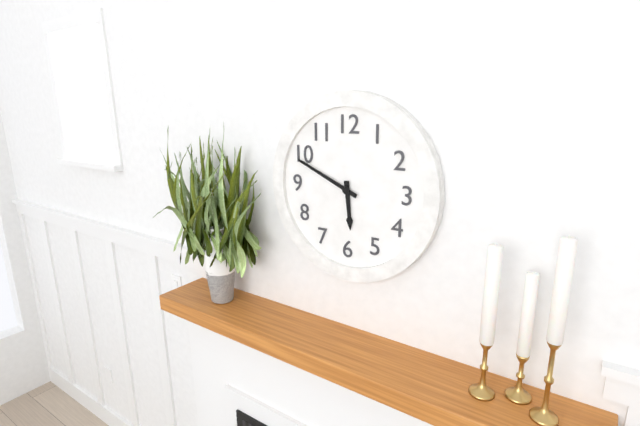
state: 5:49
